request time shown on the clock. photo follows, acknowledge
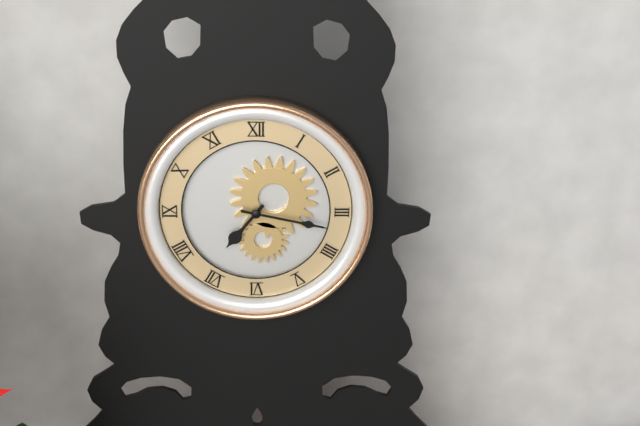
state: 7:17
